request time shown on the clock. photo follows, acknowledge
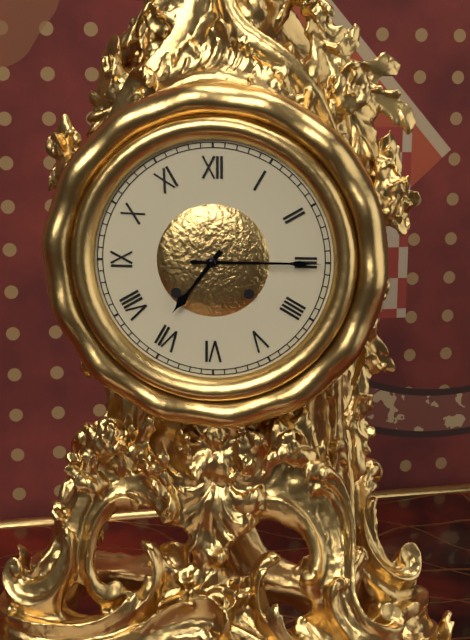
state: 7:15
